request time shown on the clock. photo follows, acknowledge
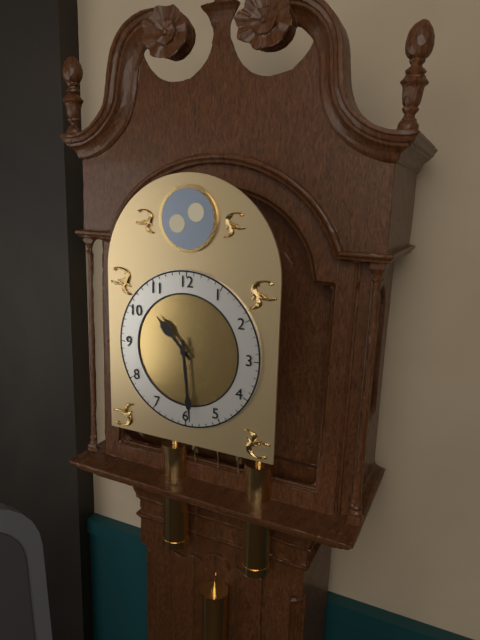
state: 10:29
